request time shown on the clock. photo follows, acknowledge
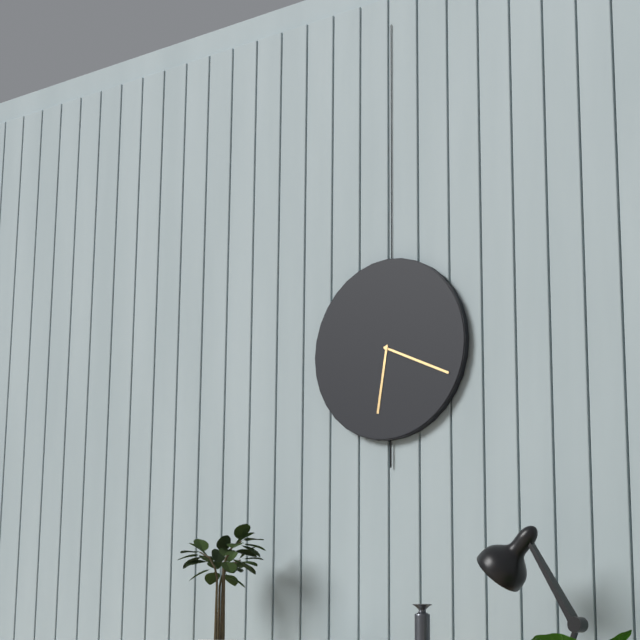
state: 6:19
